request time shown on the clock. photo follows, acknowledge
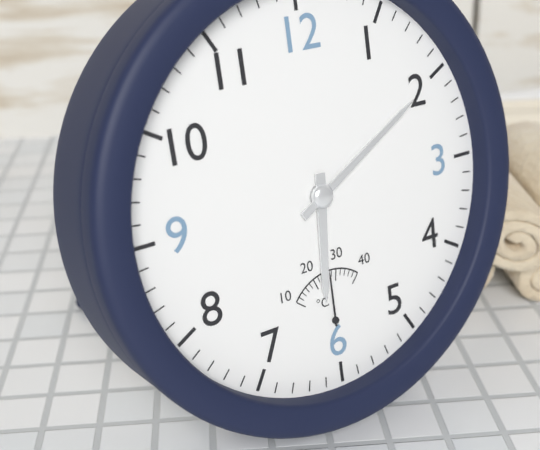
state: 6:10
